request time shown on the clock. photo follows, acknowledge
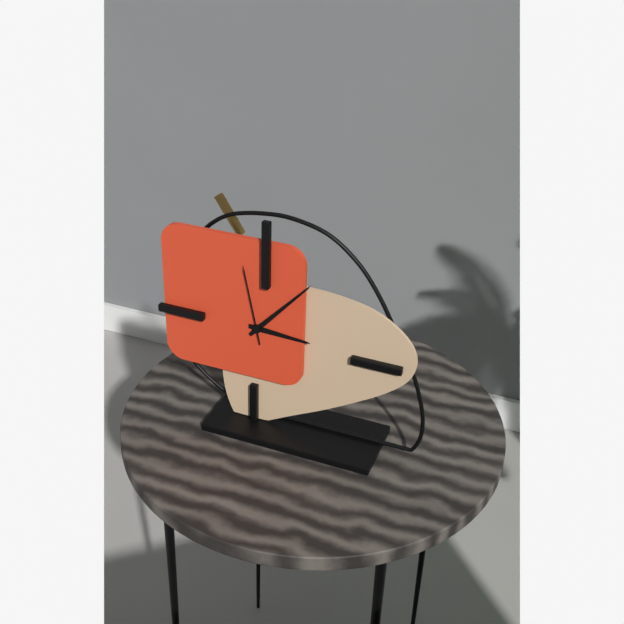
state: 3:07:58
